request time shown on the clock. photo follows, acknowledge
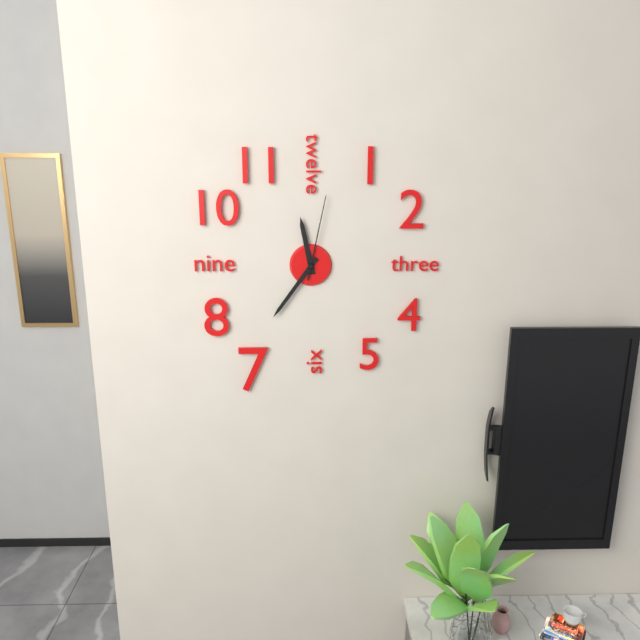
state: 11:36:02
